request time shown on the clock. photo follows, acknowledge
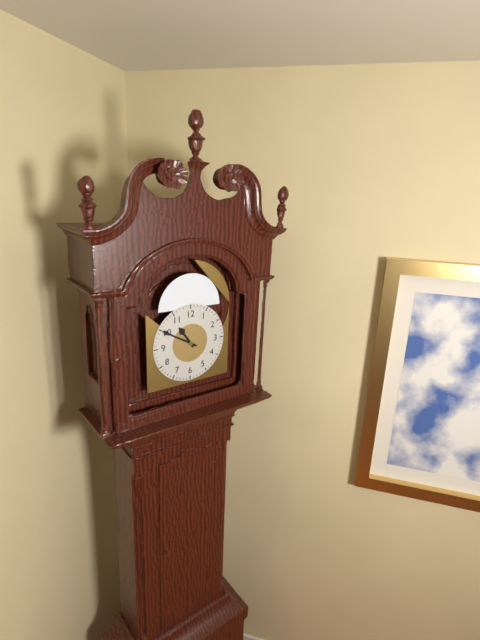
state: 10:50
